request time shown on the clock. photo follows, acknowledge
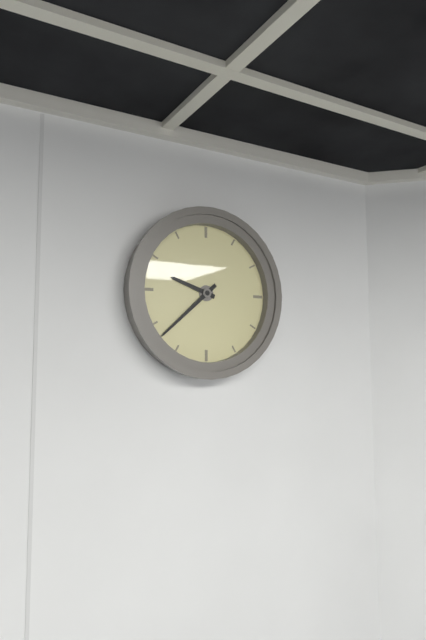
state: 9:38
